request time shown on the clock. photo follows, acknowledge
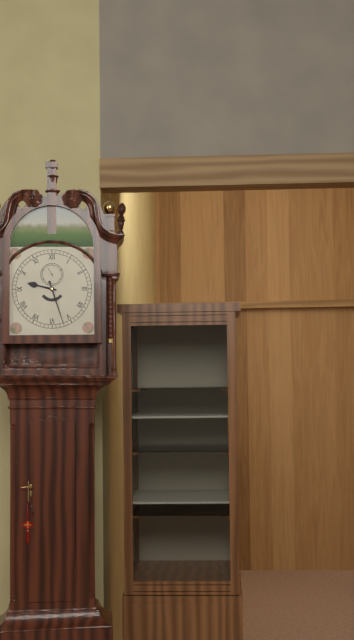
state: 9:27
